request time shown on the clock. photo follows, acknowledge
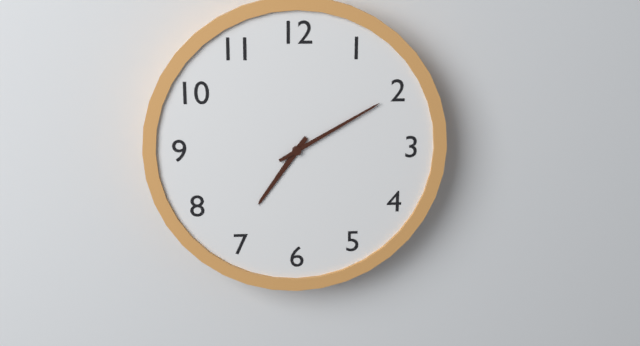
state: 7:10
